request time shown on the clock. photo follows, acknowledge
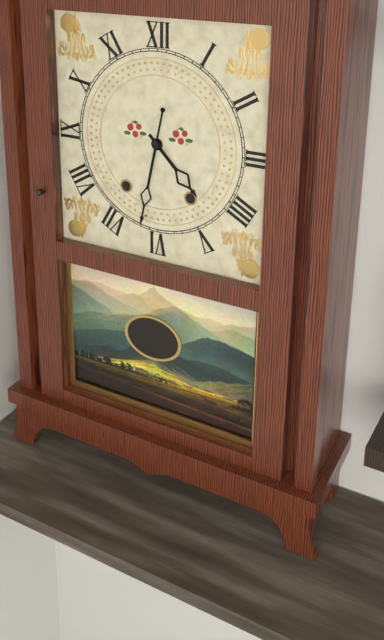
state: 4:32
